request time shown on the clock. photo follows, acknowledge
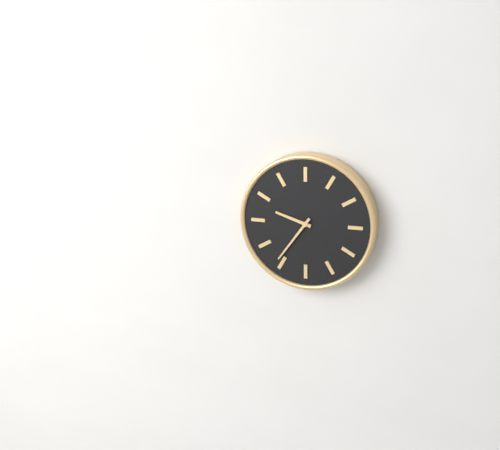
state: 9:36
